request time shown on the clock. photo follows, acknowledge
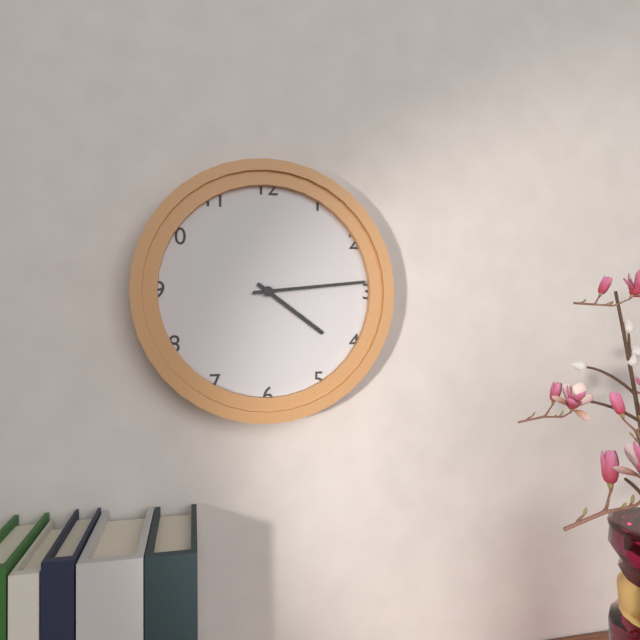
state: 4:14
